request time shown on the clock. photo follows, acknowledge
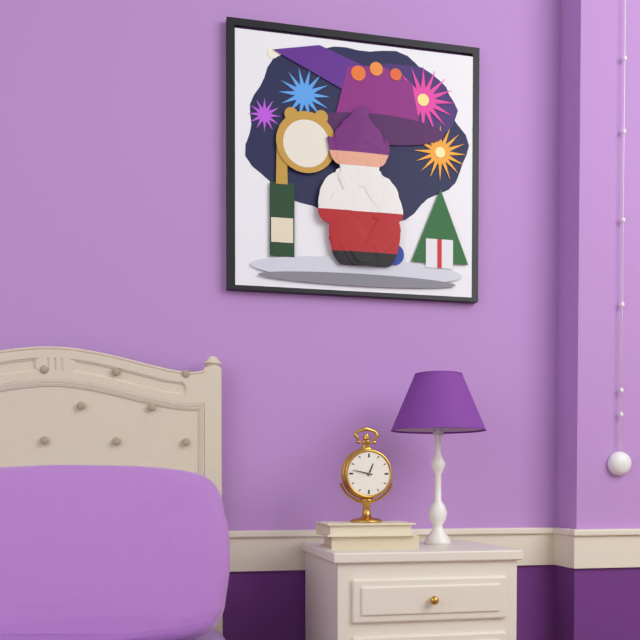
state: 12:47
